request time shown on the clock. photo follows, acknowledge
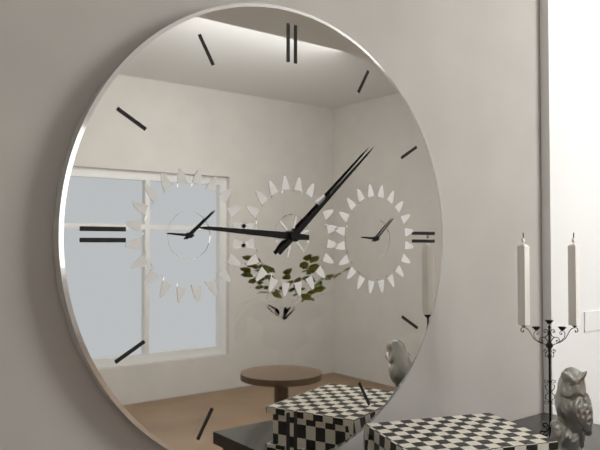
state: 9:08
